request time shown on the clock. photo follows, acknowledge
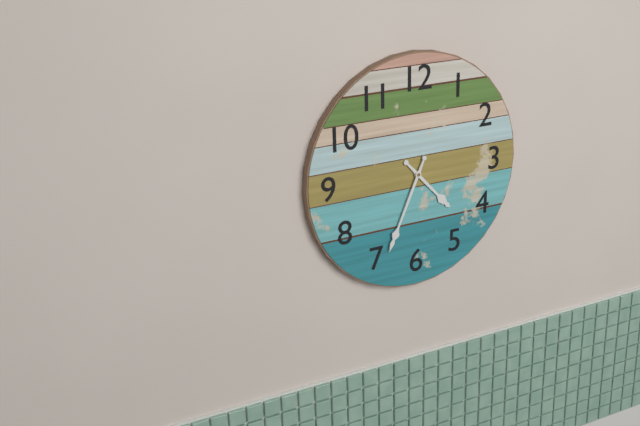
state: 4:34
